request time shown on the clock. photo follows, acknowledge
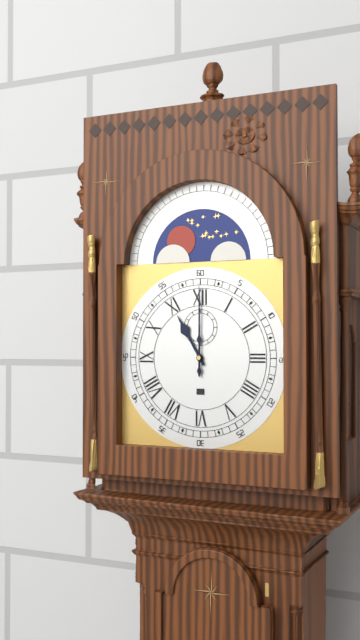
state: 11:00
